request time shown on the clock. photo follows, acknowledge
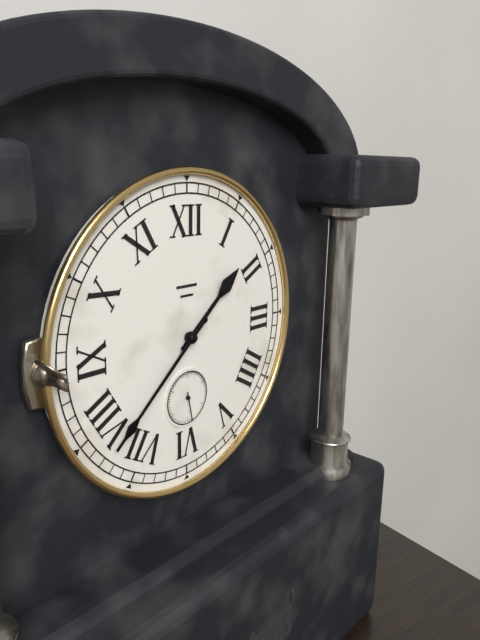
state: 1:38
